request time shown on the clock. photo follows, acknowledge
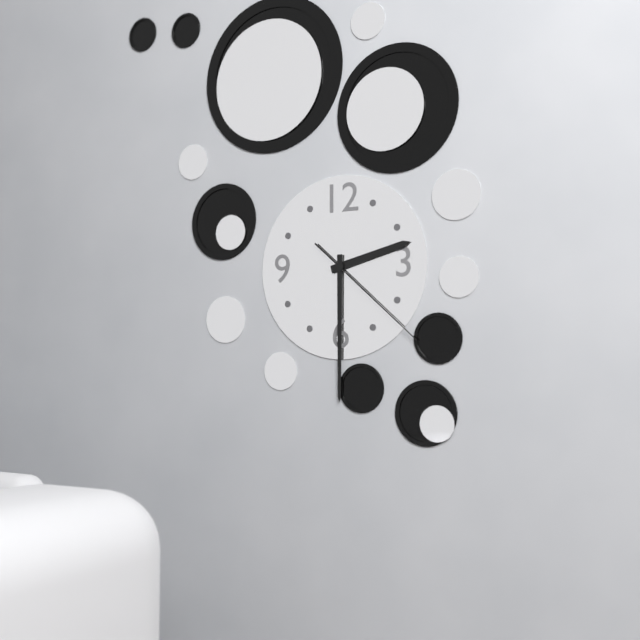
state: 2:30:22
